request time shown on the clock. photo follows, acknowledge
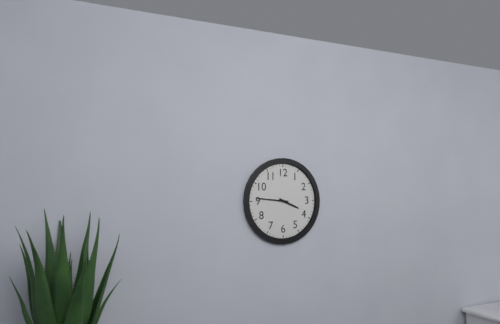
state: 3:46
